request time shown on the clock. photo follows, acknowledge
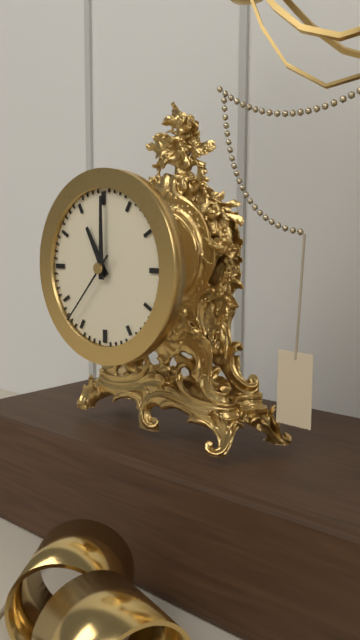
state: 11:00:37
